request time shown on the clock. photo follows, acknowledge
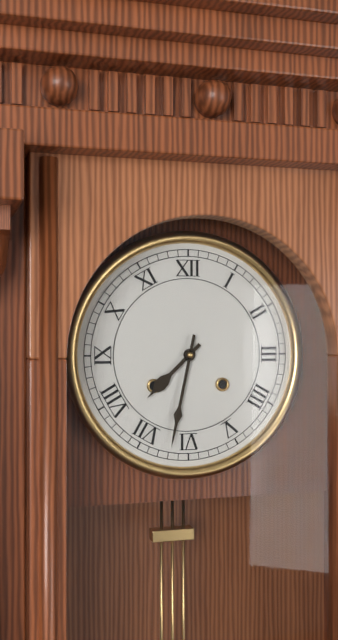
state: 7:32
